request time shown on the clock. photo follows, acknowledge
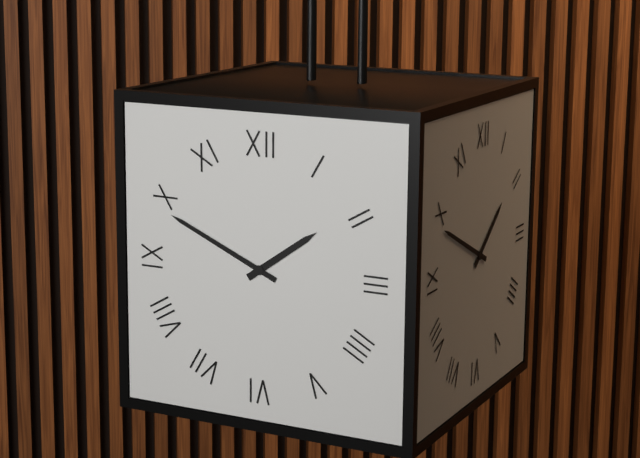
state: 1:49
